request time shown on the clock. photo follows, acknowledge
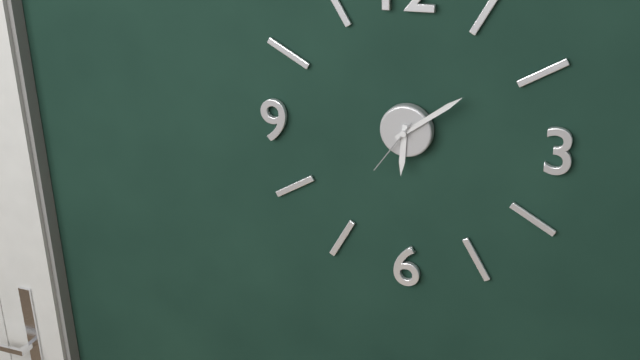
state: 6:09:36
